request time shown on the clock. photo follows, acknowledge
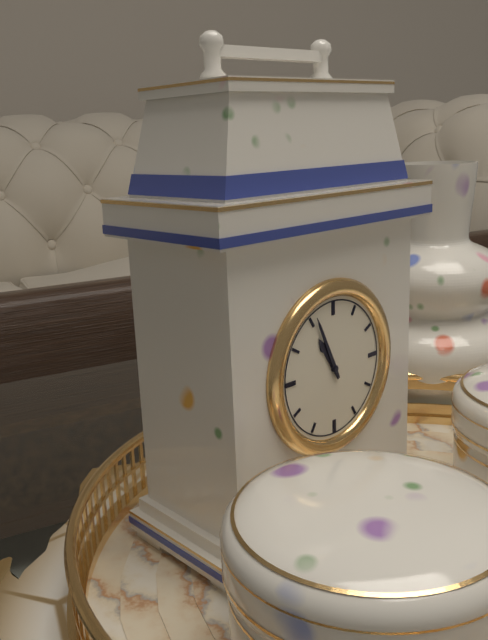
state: 10:56
